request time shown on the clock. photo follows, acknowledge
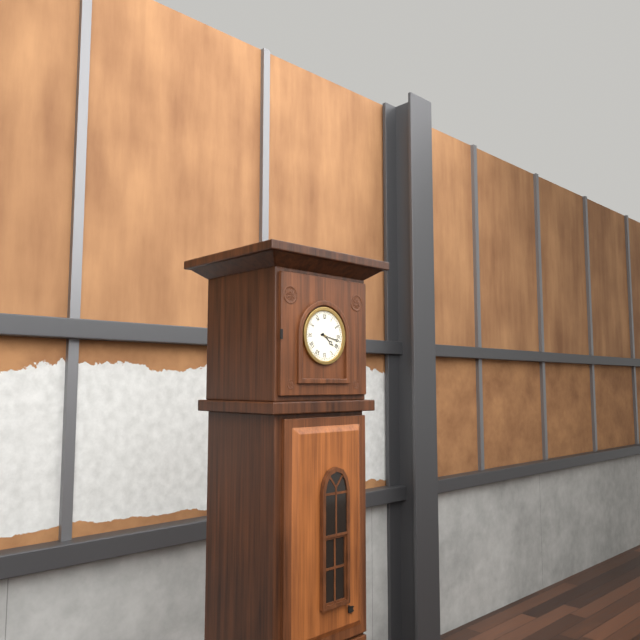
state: 4:17
